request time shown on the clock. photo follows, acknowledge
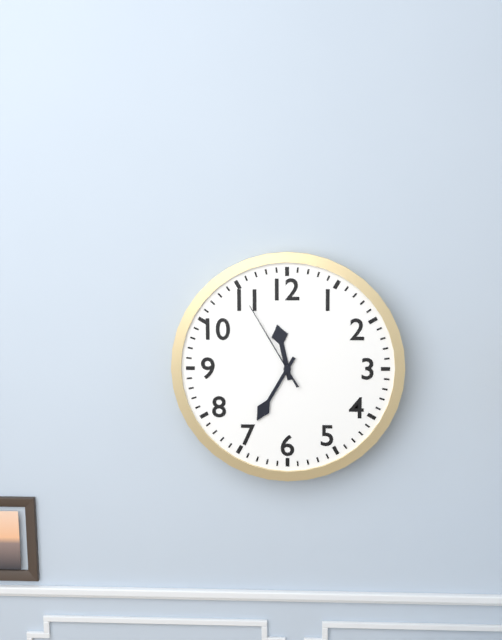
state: 11:35:55
